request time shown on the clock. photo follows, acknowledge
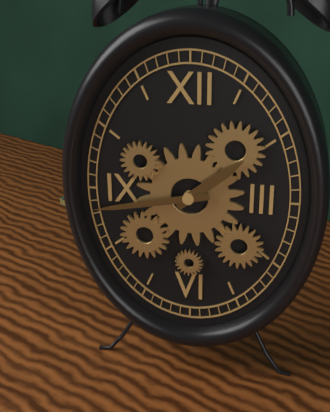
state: 1:43
